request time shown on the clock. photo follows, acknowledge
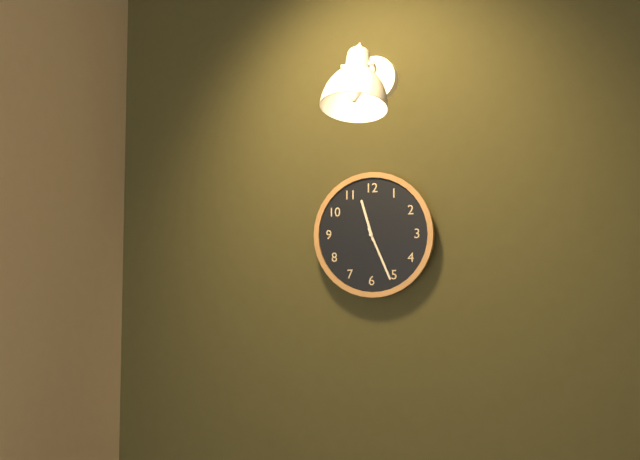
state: 11:26
